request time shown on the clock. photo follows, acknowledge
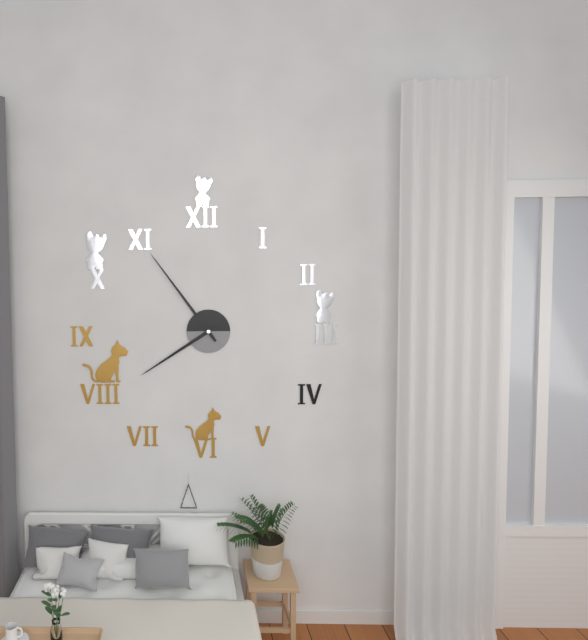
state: 7:54
